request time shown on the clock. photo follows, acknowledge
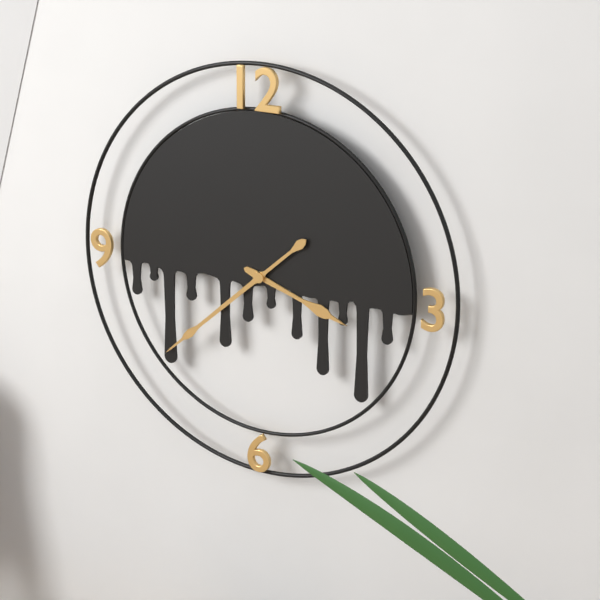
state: 3:38
